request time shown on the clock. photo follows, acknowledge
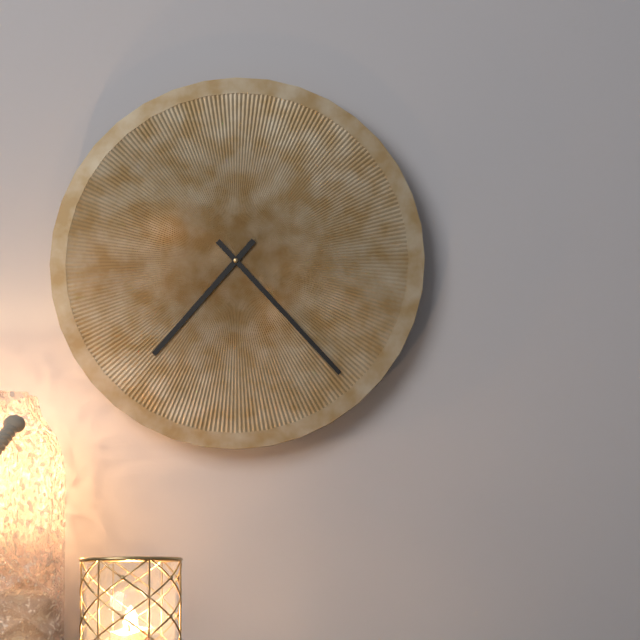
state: 7:23
